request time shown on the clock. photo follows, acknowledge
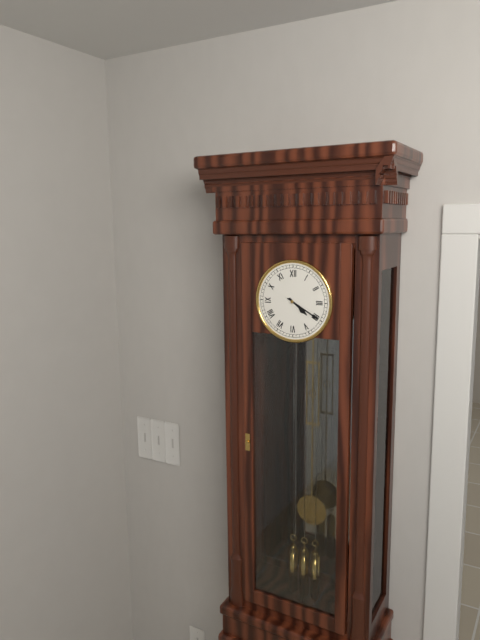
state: 4:20
